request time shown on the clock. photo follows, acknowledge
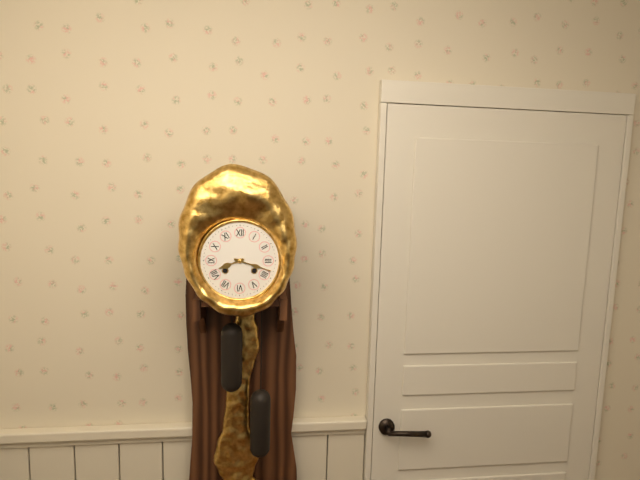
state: 8:18
